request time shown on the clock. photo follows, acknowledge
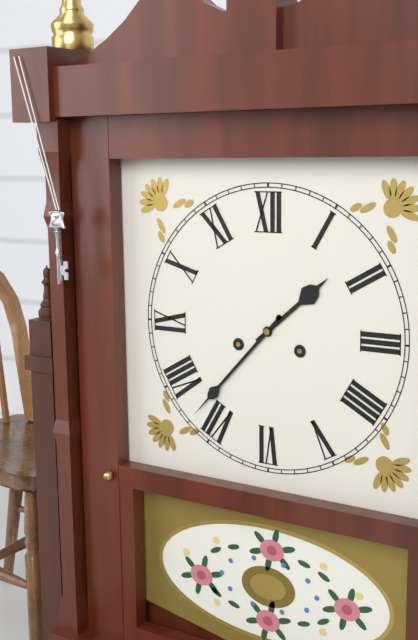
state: 1:37
